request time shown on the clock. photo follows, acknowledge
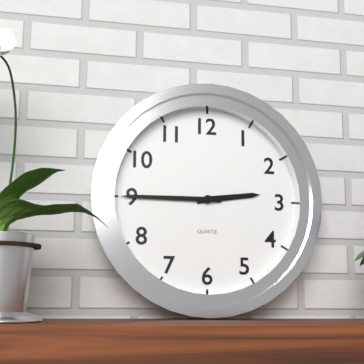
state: 2:45
